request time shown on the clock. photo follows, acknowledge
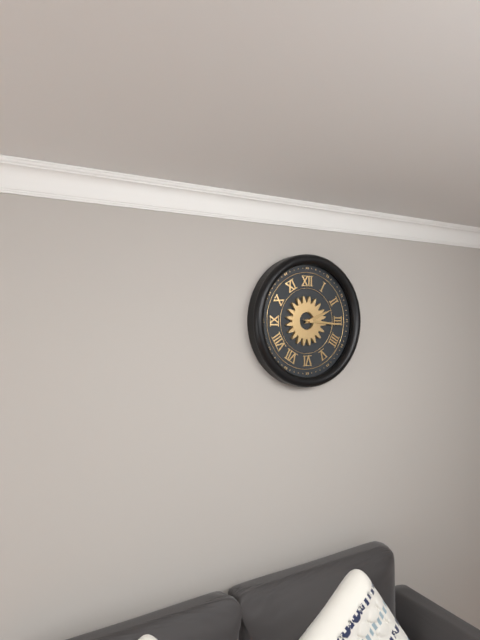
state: 2:16
